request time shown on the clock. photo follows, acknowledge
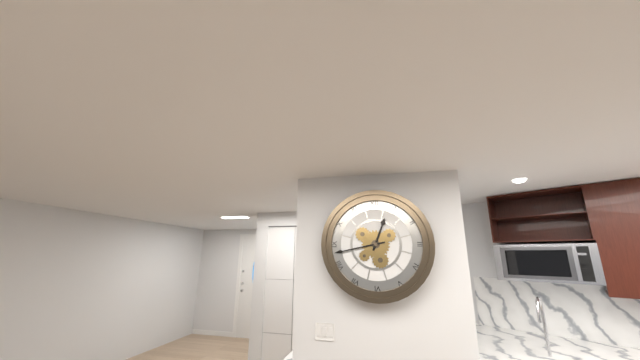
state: 12:43
